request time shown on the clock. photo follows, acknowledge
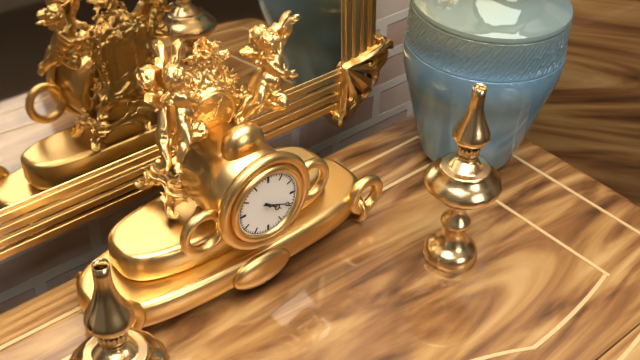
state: 4:19
